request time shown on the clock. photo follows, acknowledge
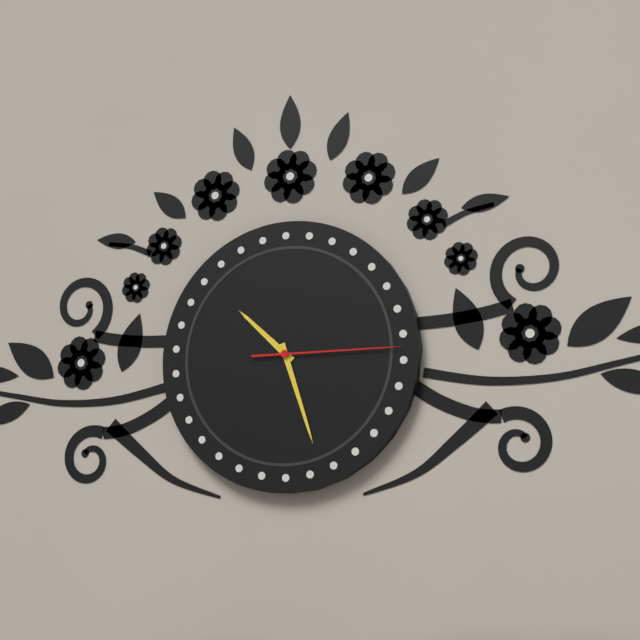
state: 10:27:15
